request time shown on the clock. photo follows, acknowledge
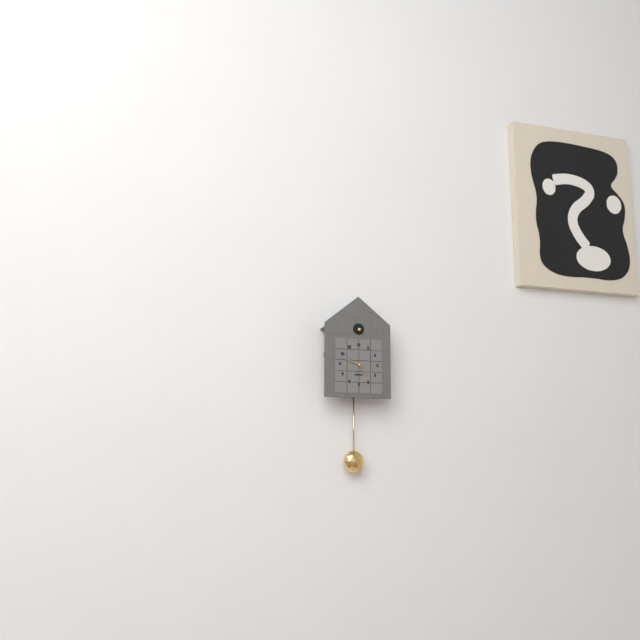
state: 4:48
